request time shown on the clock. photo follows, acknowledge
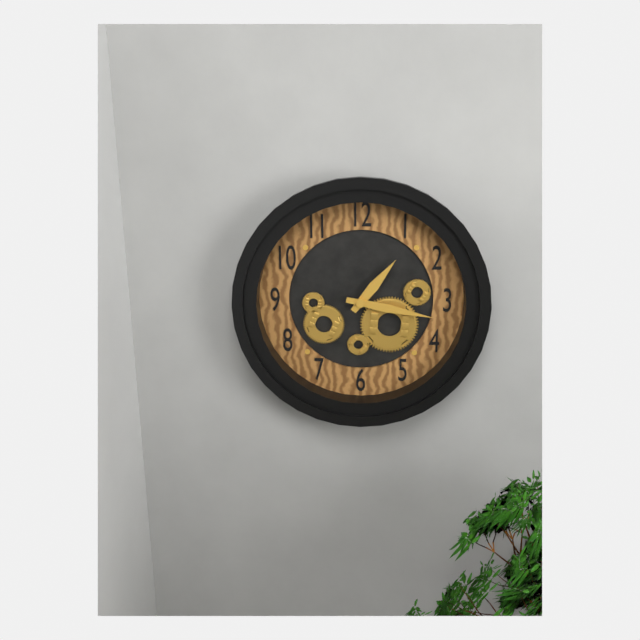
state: 1:17
